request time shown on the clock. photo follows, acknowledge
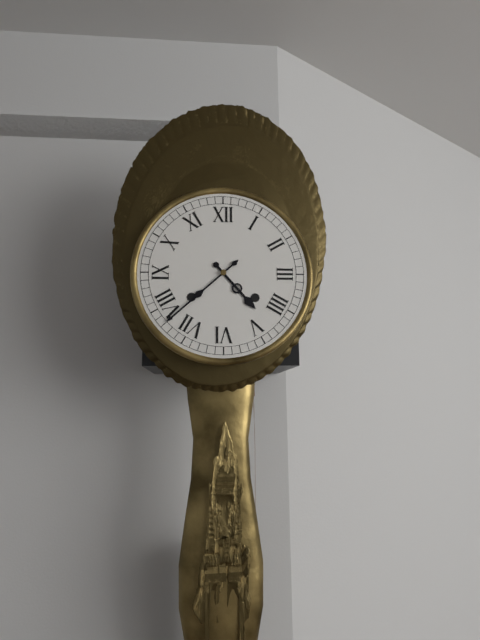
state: 4:38
